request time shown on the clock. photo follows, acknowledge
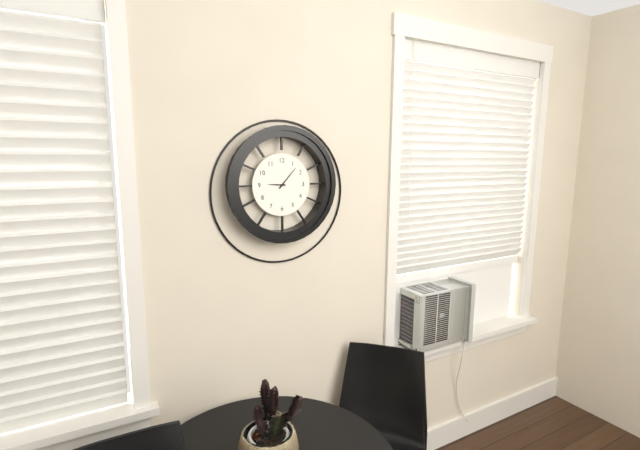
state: 9:07
